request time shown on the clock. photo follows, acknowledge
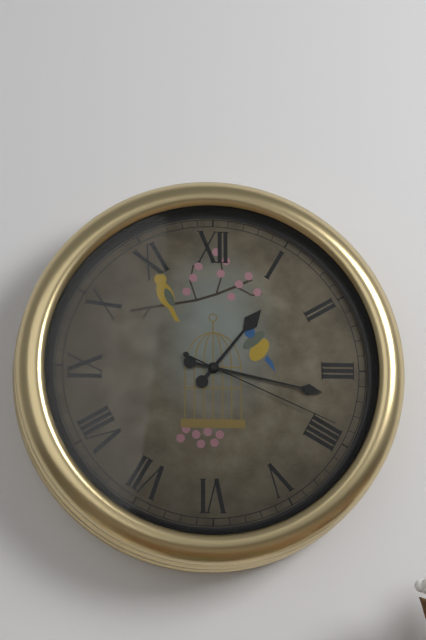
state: 1:17:19
